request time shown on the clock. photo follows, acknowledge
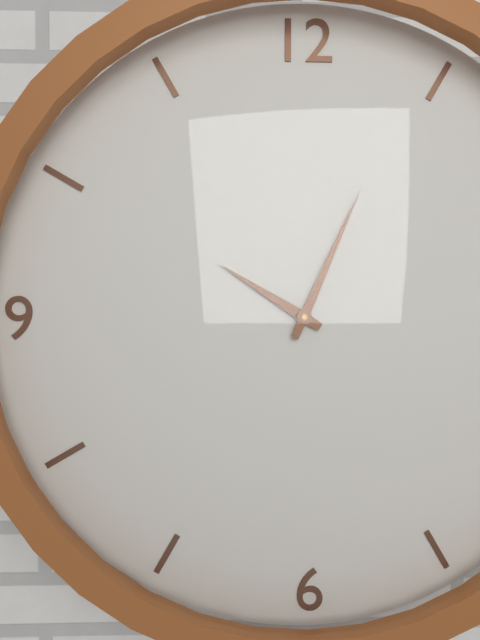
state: 10:04
